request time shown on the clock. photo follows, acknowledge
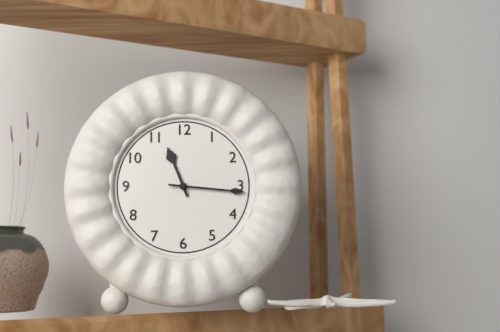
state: 11:16
